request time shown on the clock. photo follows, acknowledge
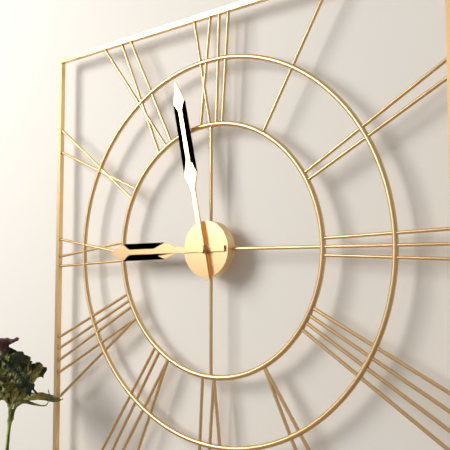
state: 8:58
